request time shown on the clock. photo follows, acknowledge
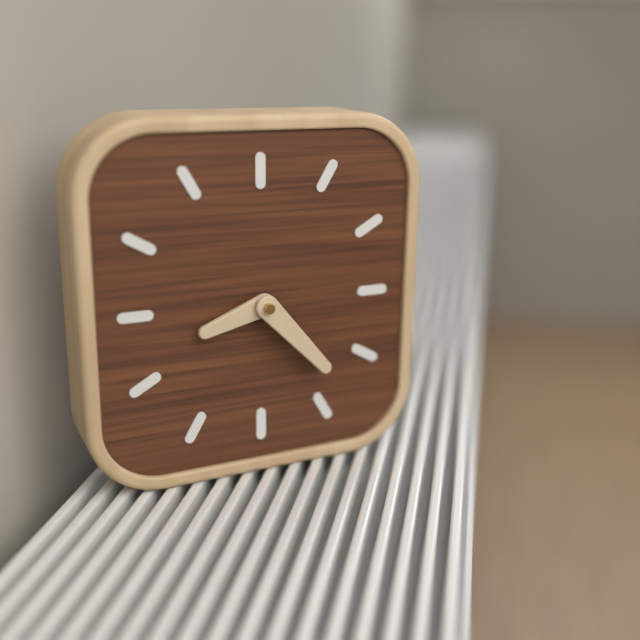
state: 8:23
